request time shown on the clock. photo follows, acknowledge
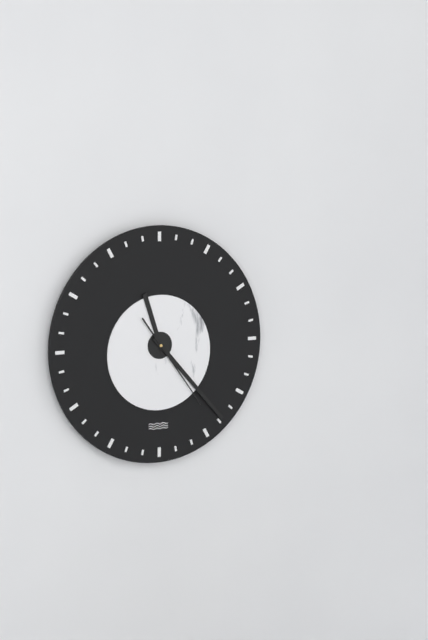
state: 11:23:24
